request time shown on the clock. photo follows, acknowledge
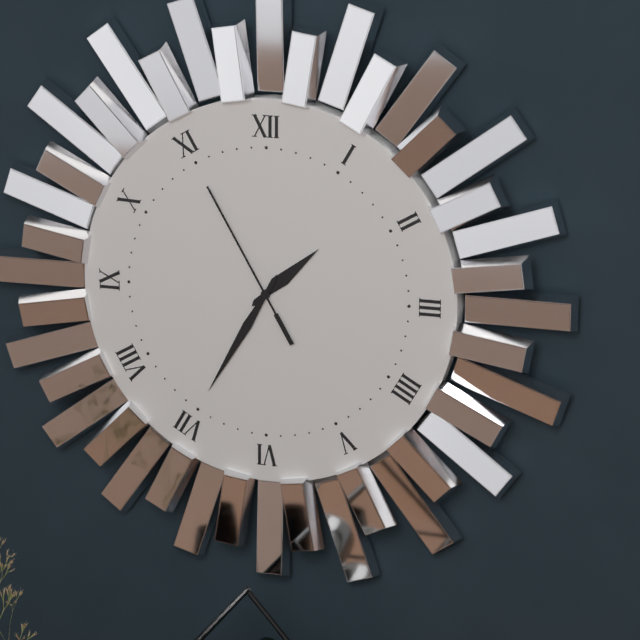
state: 1:35:55
